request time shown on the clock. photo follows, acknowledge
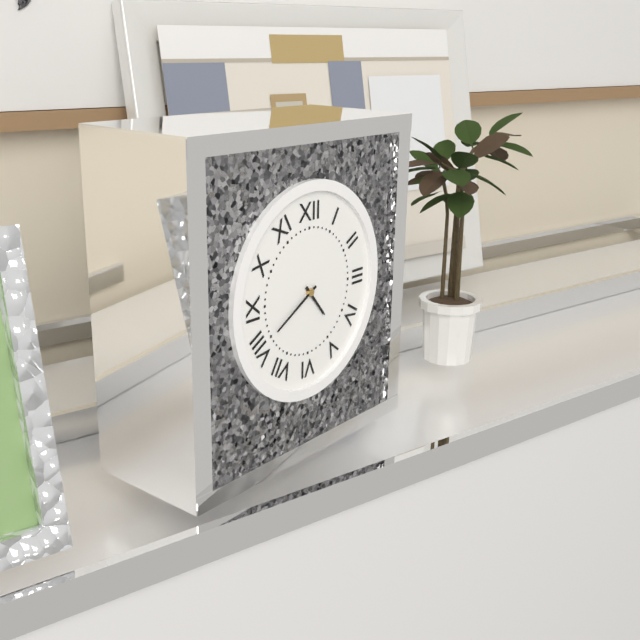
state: 4:40
